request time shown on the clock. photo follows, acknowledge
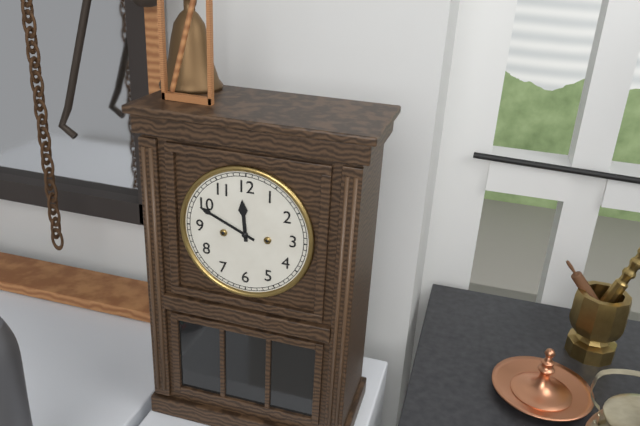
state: 11:49
